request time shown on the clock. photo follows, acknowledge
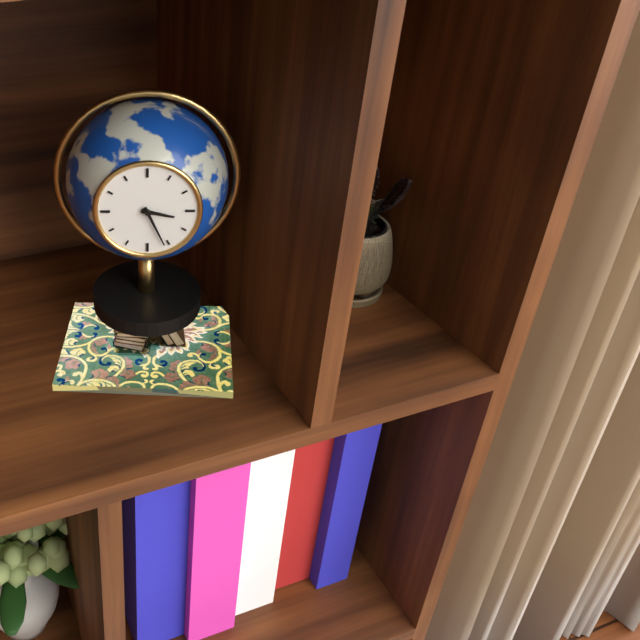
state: 3:26
